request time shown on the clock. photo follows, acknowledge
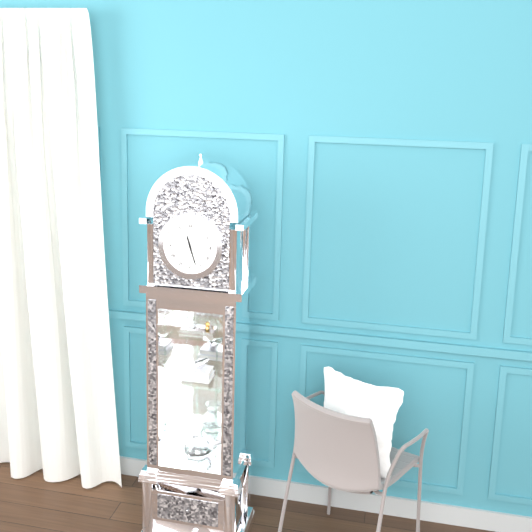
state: 11:27
